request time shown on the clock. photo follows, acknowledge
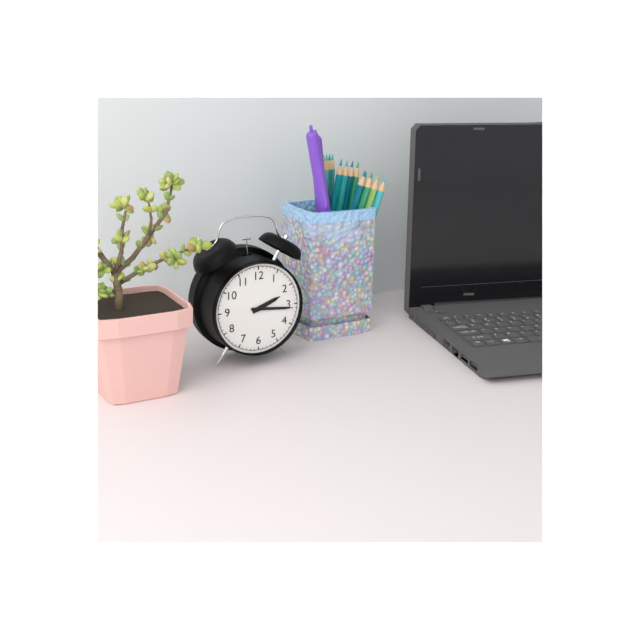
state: 2:16
